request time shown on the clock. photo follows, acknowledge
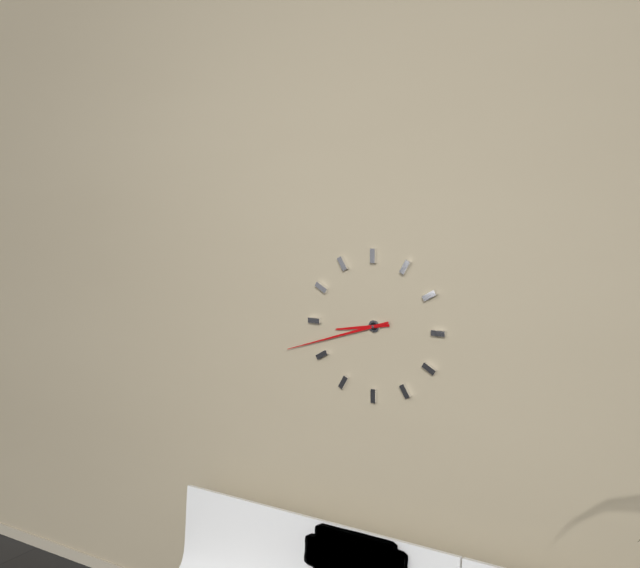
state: 8:42
